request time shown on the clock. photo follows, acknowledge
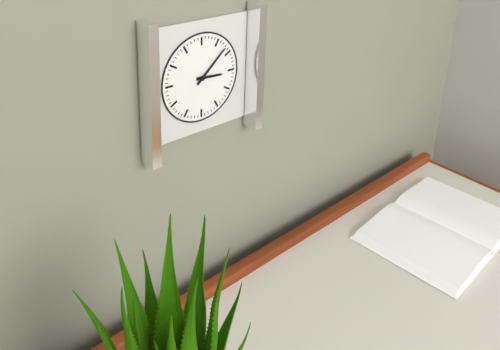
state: 3:08
